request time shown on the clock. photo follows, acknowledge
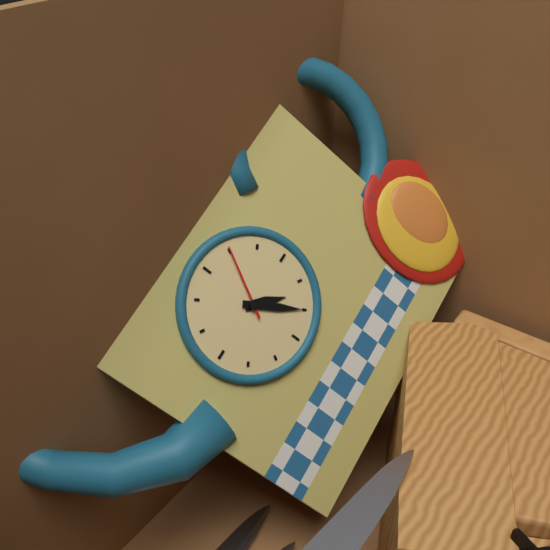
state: 4:25:05
